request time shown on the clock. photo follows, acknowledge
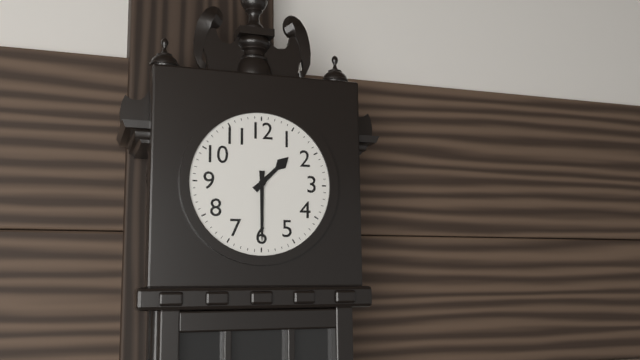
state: 1:30
